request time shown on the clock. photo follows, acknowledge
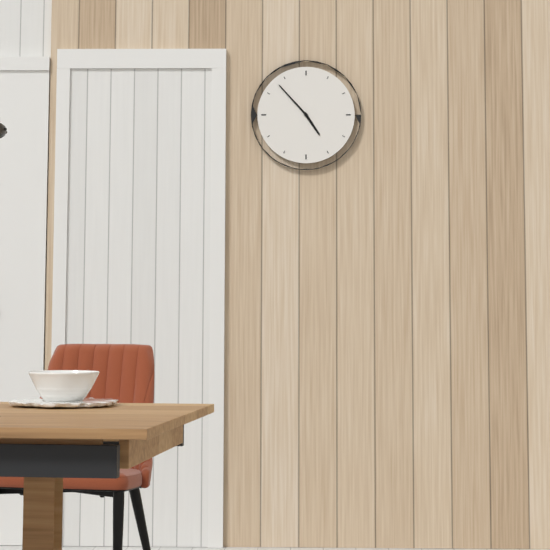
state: 4:53
